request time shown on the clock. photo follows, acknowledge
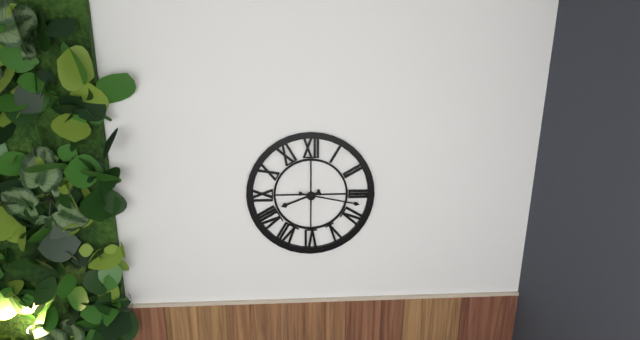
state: 8:17
